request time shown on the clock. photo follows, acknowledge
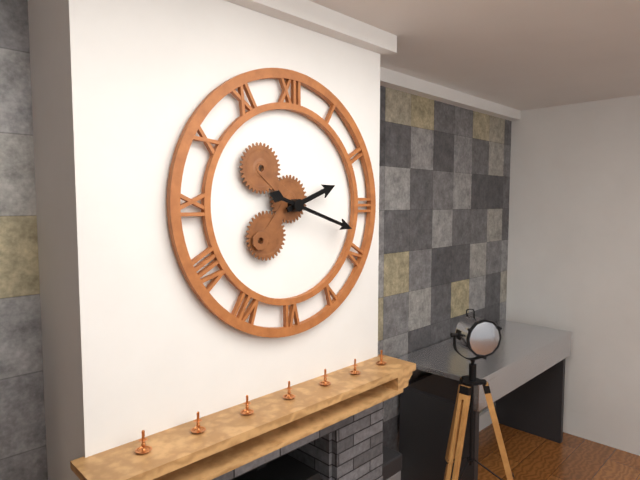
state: 2:18
